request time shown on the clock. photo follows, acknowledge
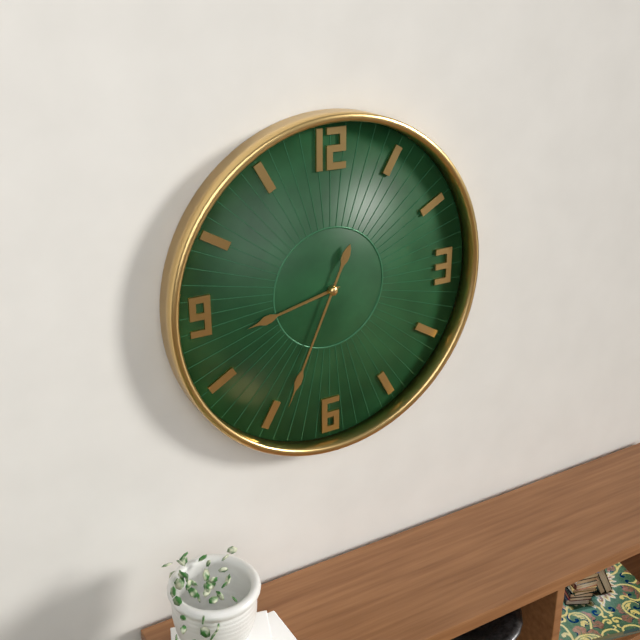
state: 8:34
